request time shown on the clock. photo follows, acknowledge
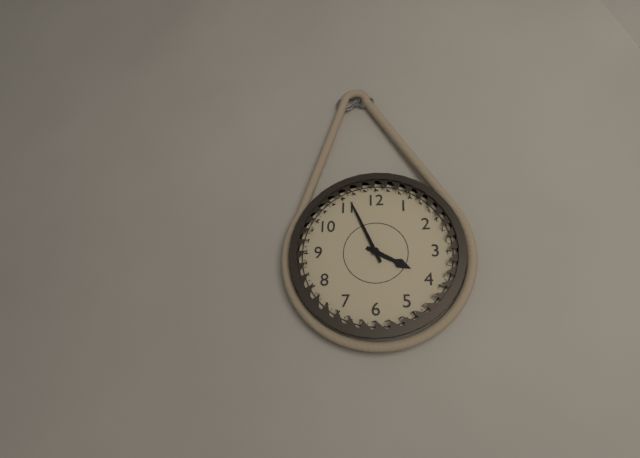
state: 3:56
